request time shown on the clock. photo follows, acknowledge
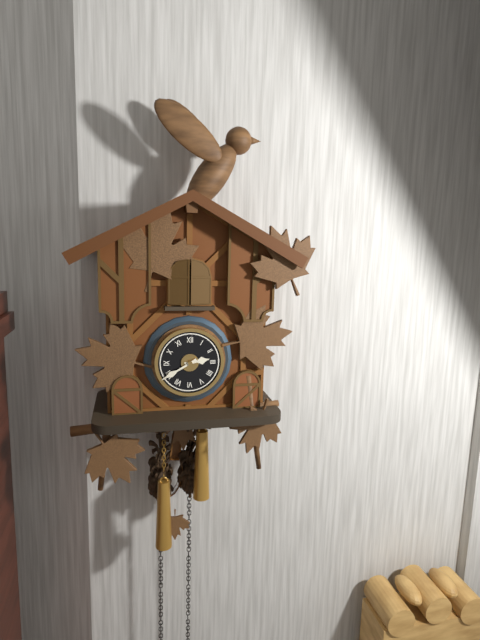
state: 2:40
